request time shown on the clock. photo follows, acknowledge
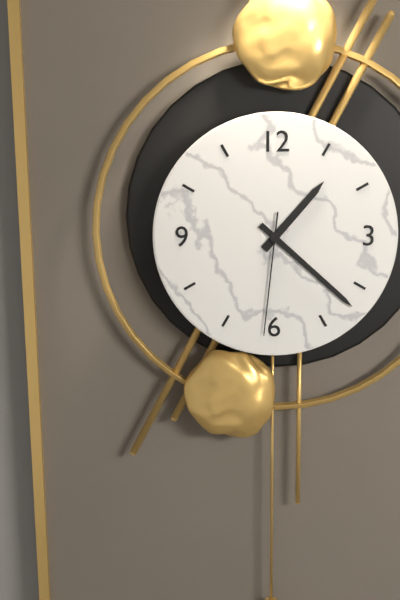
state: 1:22:31
